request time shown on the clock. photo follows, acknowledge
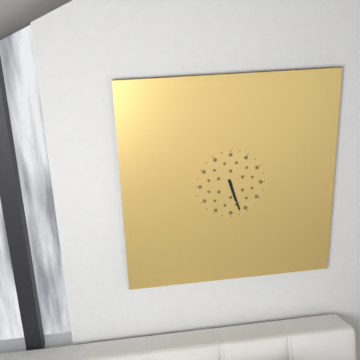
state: 5:27
